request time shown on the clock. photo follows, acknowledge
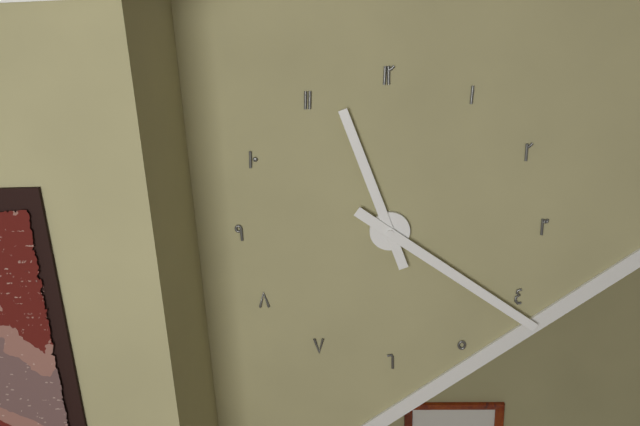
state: 11:21
